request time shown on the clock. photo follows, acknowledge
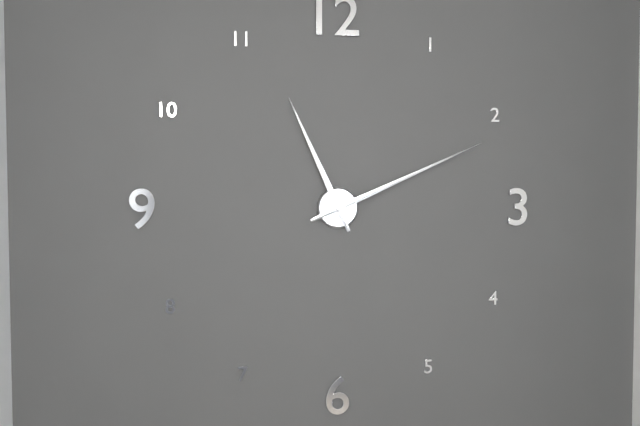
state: 11:11
